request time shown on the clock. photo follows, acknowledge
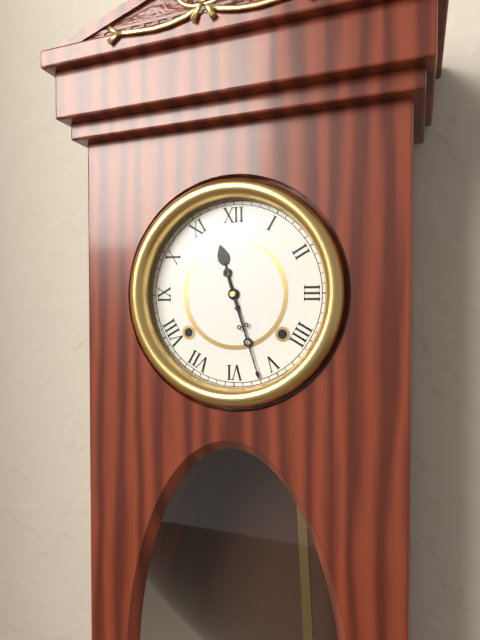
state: 11:27
